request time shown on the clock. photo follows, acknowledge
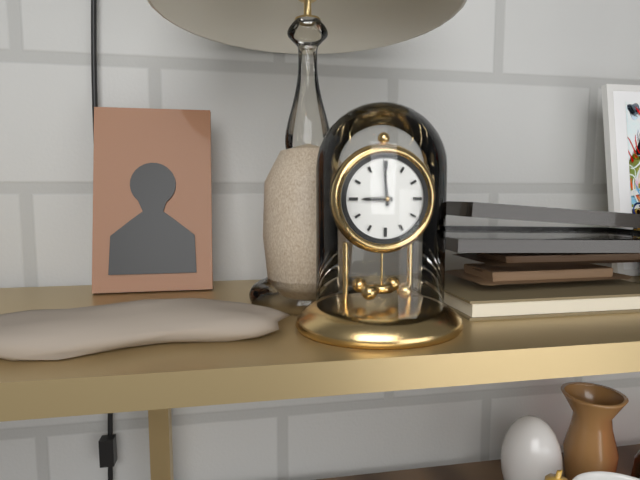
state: 8:59
